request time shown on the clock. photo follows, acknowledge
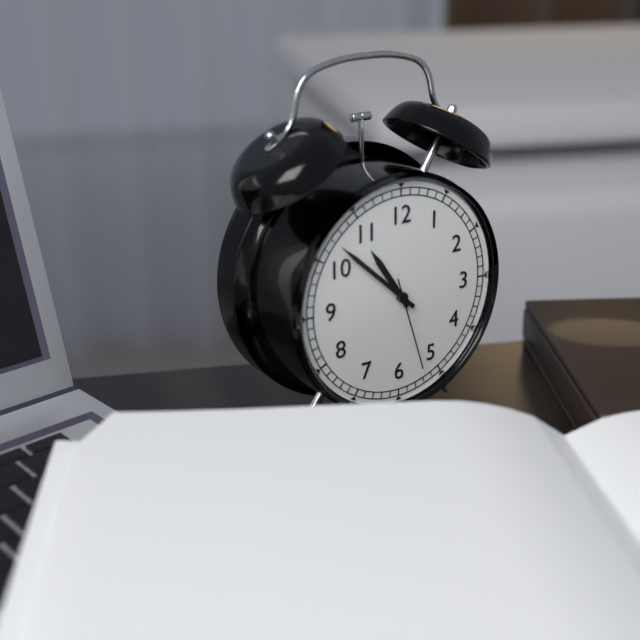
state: 10:52:27
